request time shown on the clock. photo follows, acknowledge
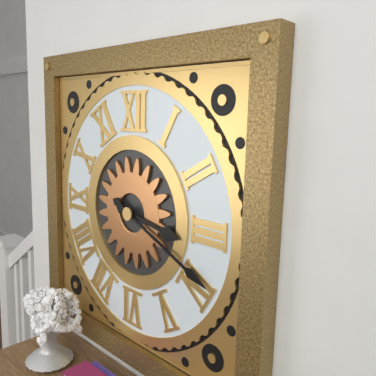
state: 3:19
